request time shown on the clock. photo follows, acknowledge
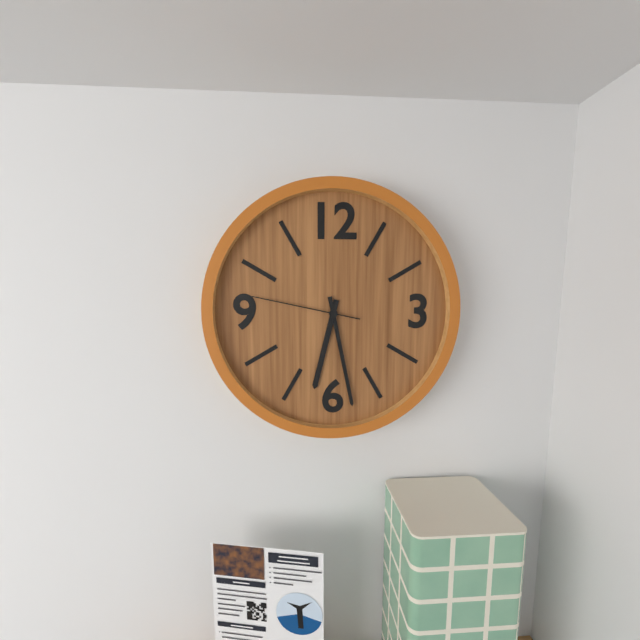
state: 6:28:47
